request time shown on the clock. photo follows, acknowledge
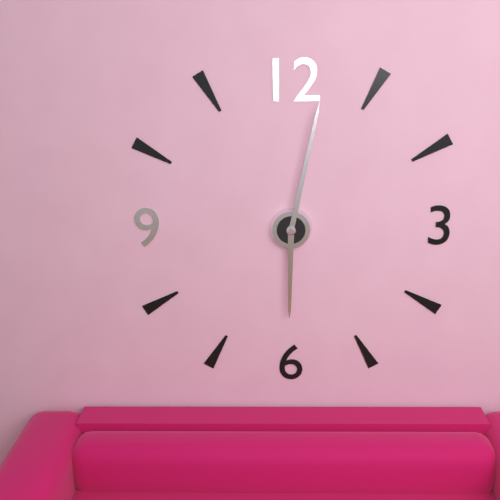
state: 6:02
